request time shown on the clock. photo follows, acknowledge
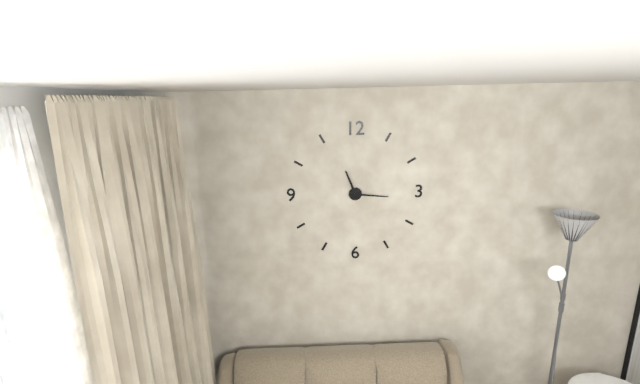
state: 11:16
